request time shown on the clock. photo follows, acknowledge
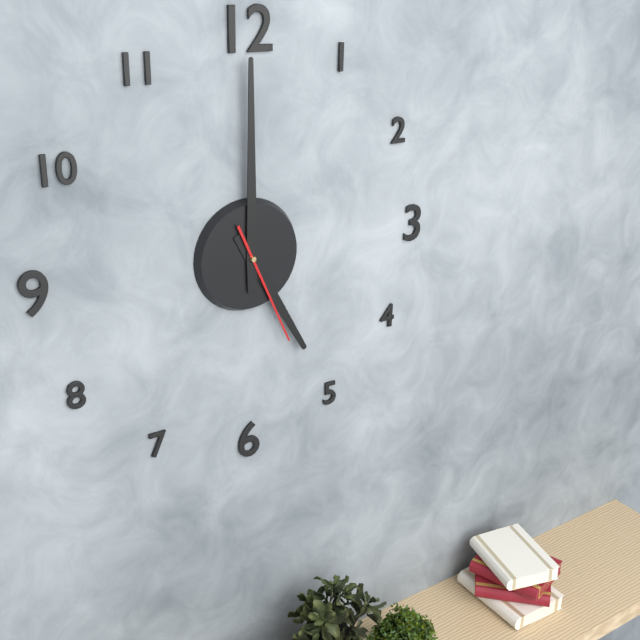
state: 5:00:26
